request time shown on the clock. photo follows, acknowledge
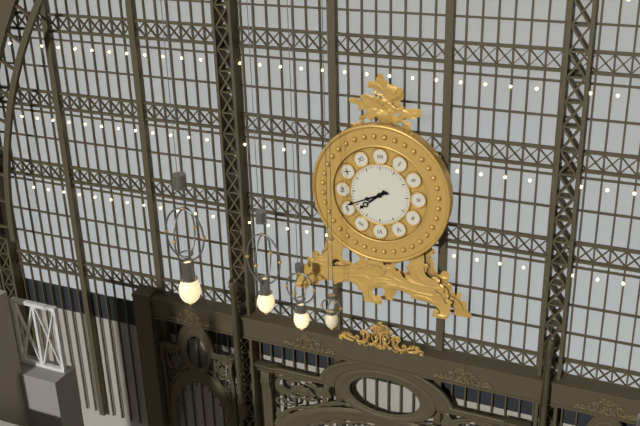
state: 7:41
